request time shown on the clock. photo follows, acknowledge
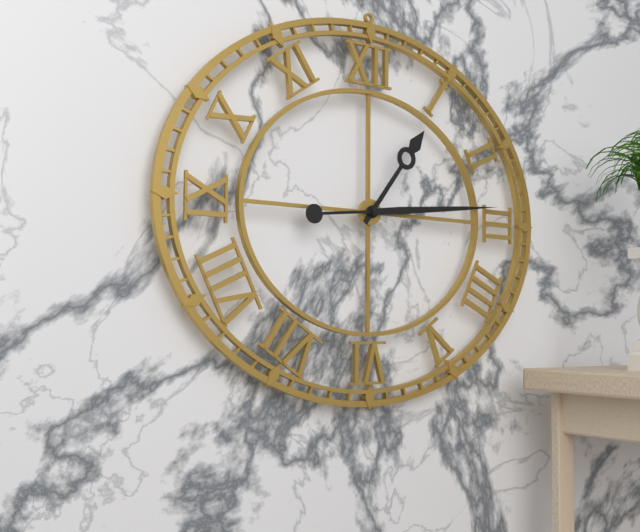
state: 1:14
